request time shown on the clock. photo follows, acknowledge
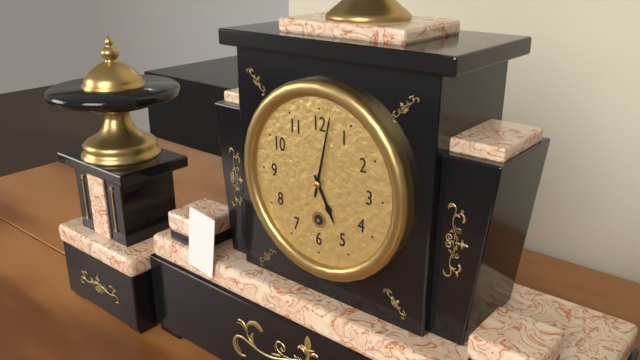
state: 5:02
